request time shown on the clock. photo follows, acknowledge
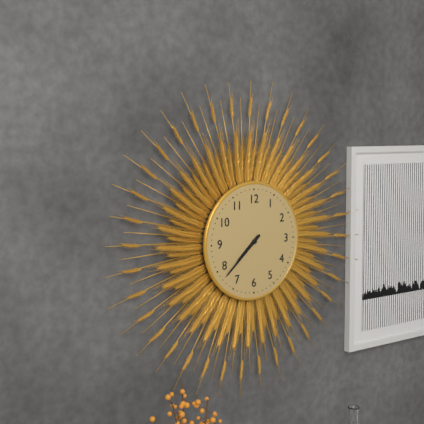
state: 7:38
